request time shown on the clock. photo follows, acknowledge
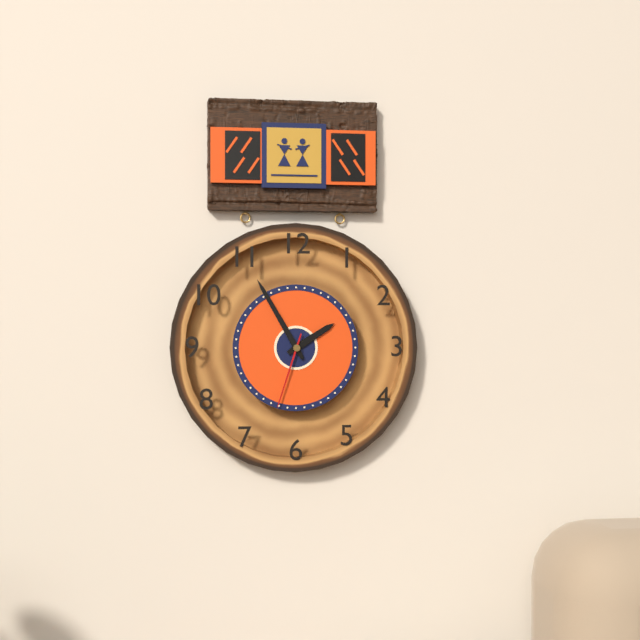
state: 1:55:33
